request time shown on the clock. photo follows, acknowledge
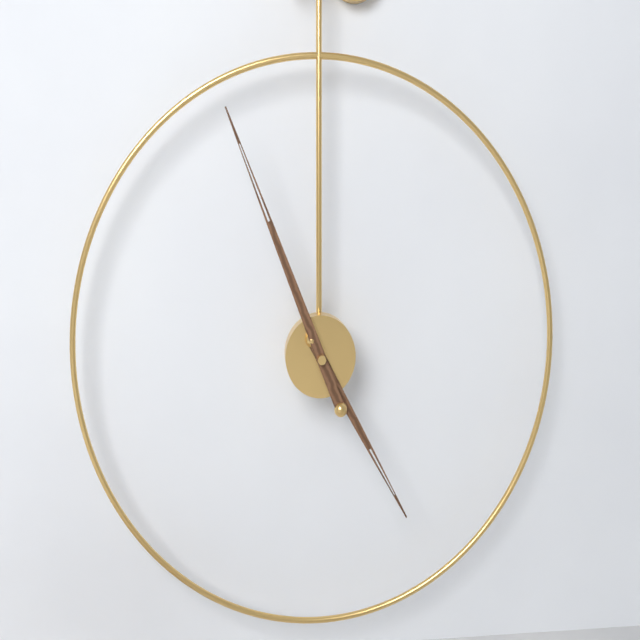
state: 4:56
